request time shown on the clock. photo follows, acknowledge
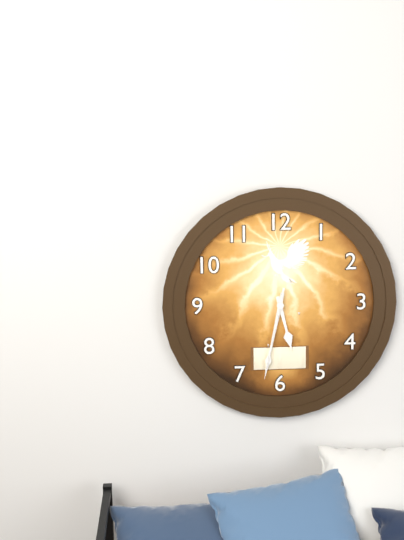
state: 5:32:32
